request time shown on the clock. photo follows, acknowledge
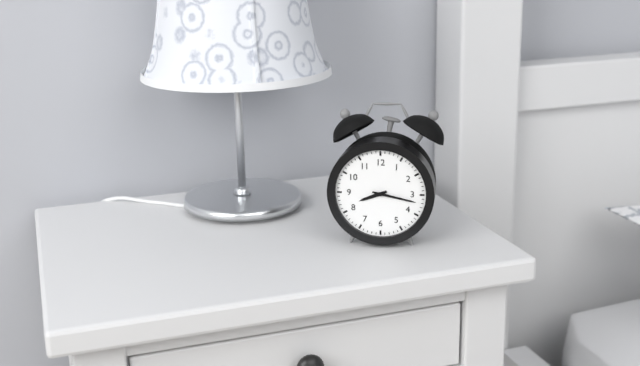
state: 8:17
